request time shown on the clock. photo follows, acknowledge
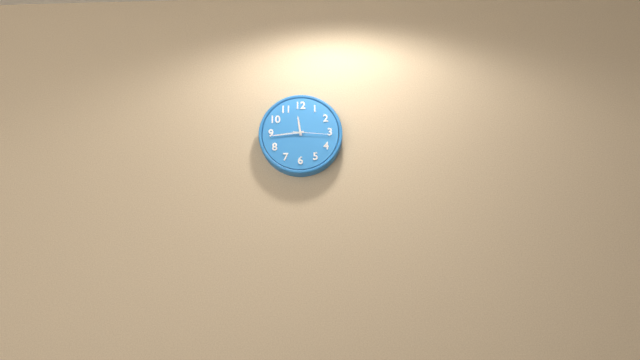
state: 11:44
